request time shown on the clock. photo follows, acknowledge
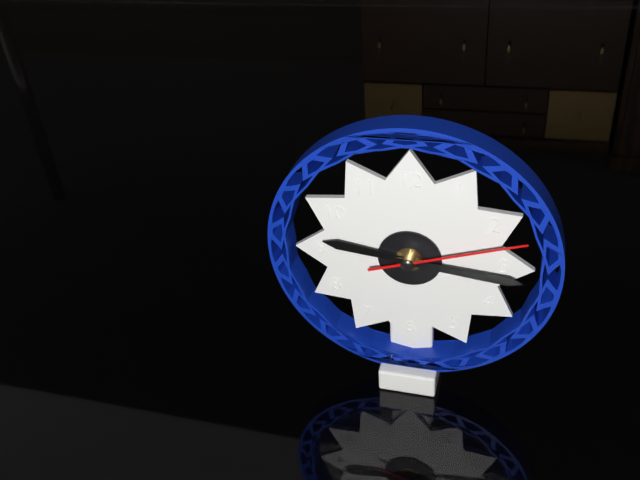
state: 9:16:12
